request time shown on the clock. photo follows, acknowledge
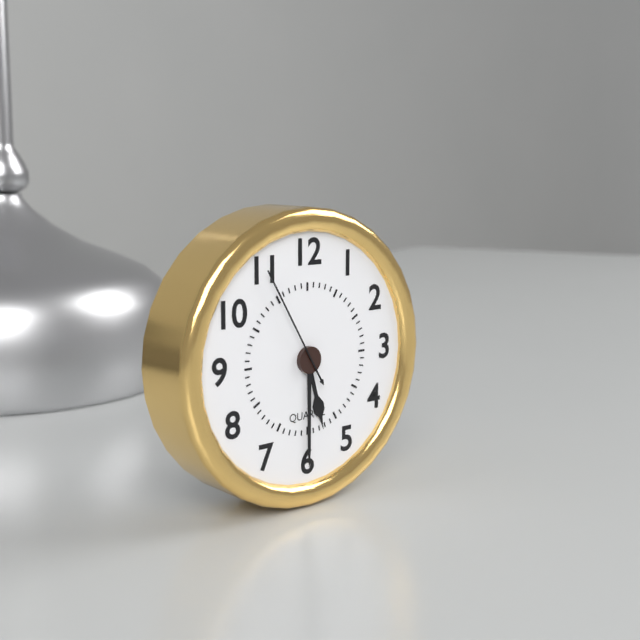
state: 5:30:55
